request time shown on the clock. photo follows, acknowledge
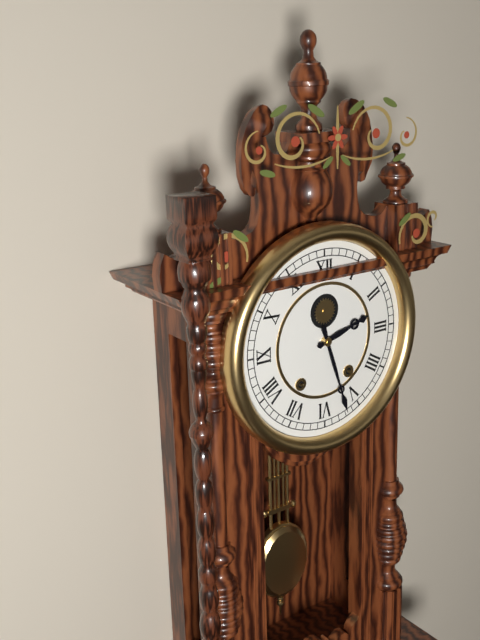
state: 2:27
